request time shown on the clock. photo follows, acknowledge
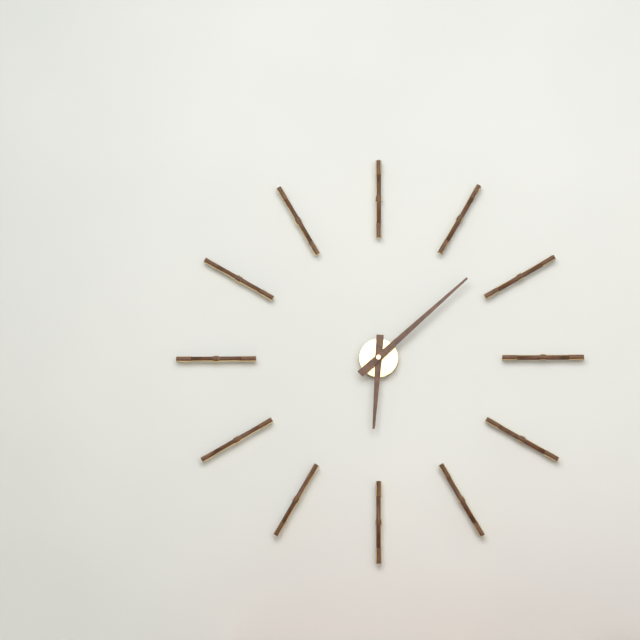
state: 6:08
